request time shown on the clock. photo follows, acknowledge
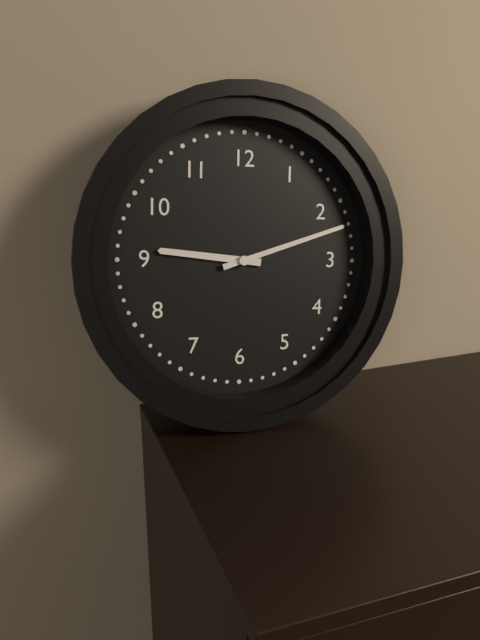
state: 9:12
